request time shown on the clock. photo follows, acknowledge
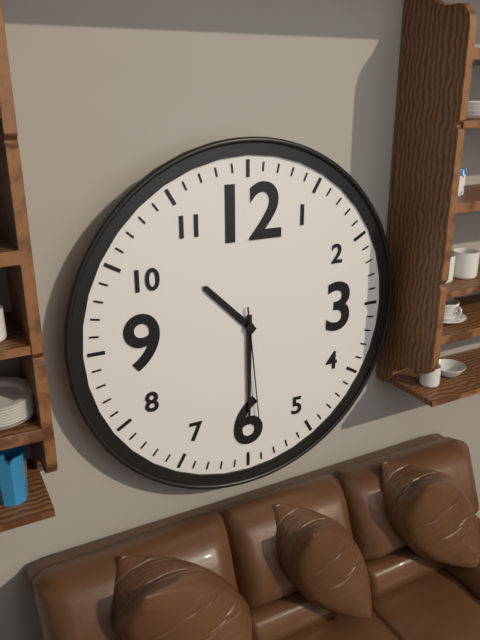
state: 10:30:29
